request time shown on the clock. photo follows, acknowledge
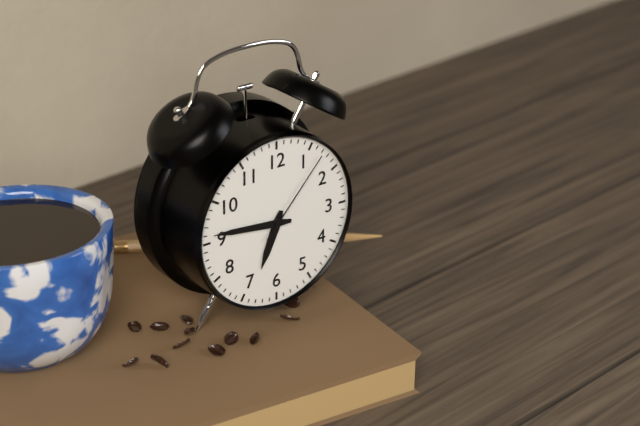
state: 6:46:07
